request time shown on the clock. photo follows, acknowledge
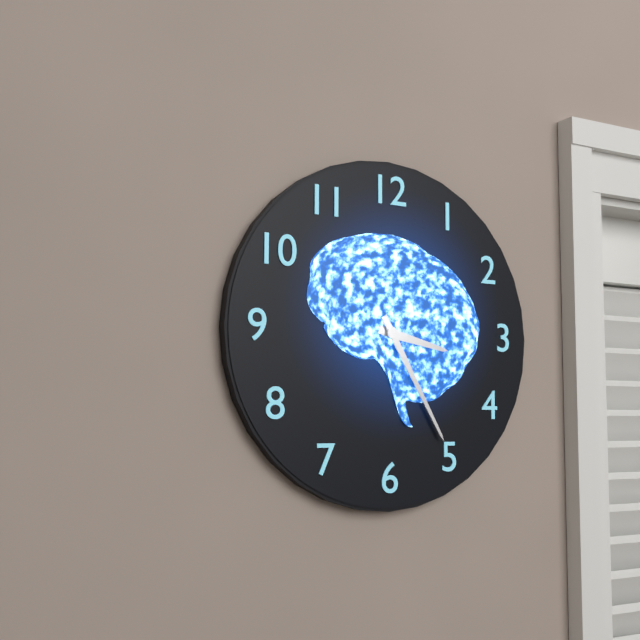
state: 3:25
